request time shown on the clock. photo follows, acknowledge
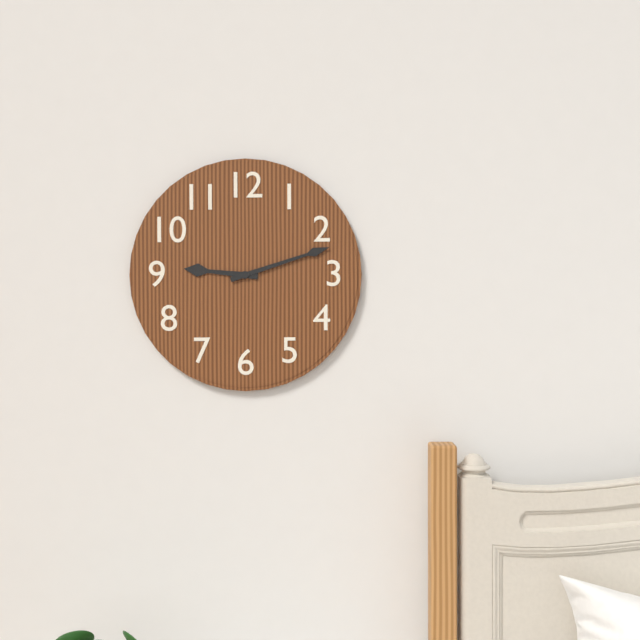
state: 9:12
